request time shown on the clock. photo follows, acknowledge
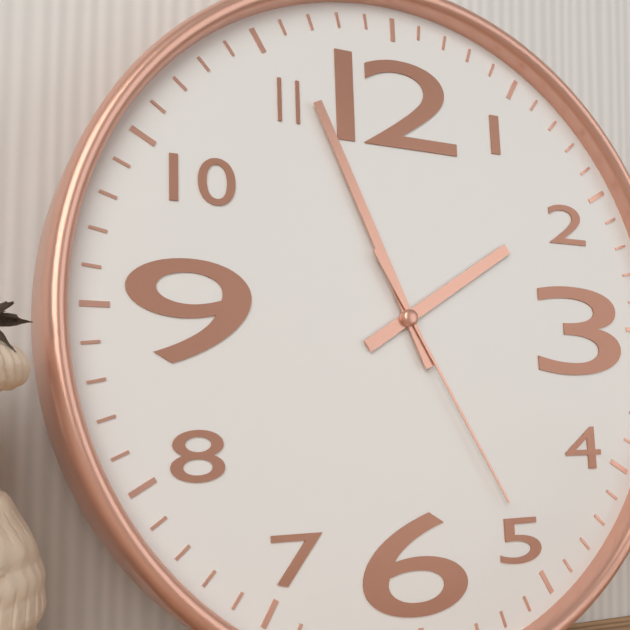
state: 1:56:25
